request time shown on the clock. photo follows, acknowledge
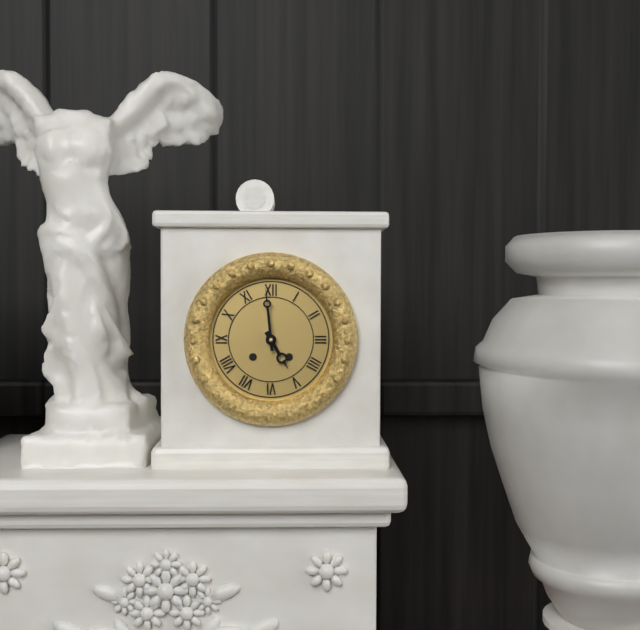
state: 4:59
